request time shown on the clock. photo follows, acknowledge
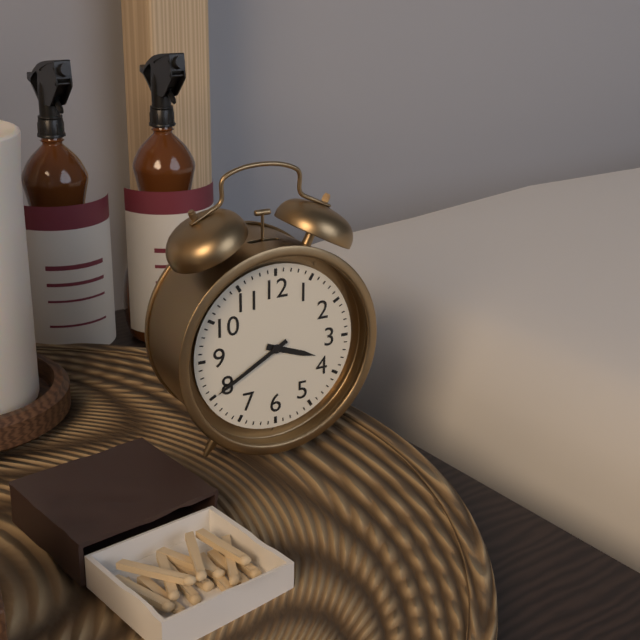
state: 3:40
